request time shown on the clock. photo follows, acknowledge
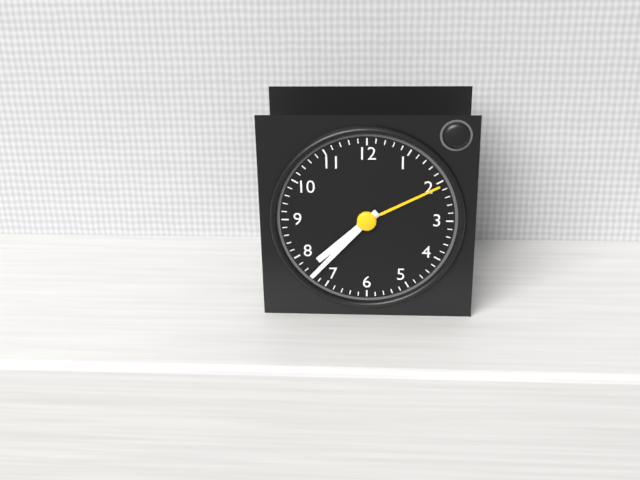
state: 7:37
